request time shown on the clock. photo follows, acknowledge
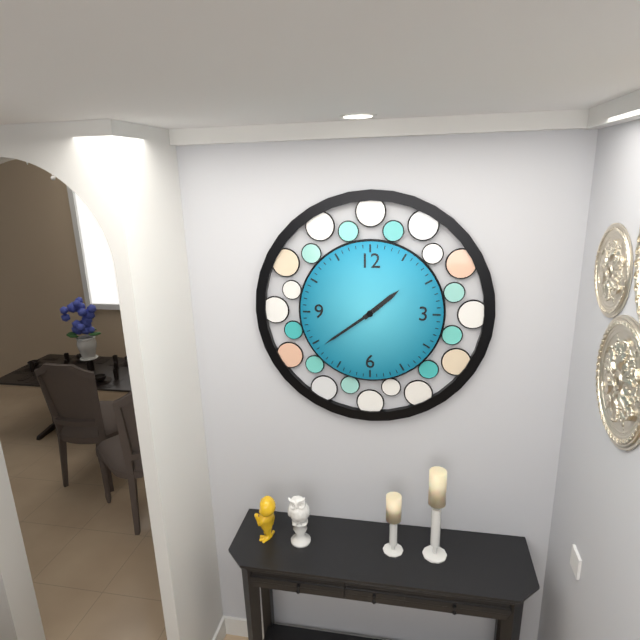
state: 1:39
